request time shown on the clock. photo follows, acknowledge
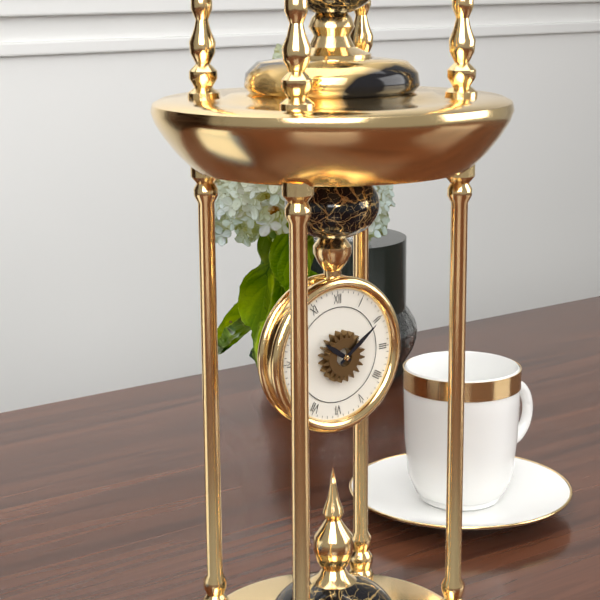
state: 10:09
